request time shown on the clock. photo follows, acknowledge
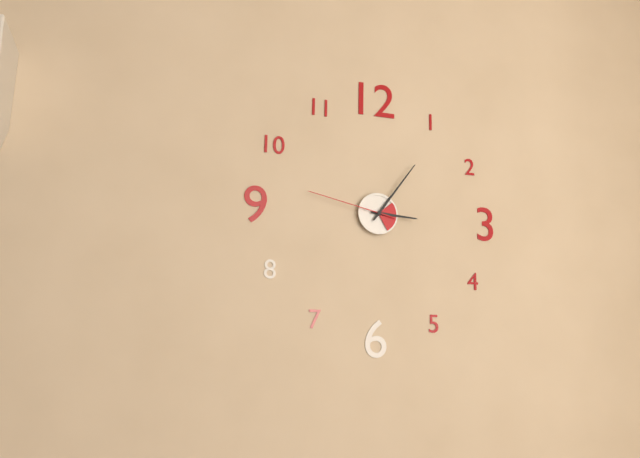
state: 3:06:47
